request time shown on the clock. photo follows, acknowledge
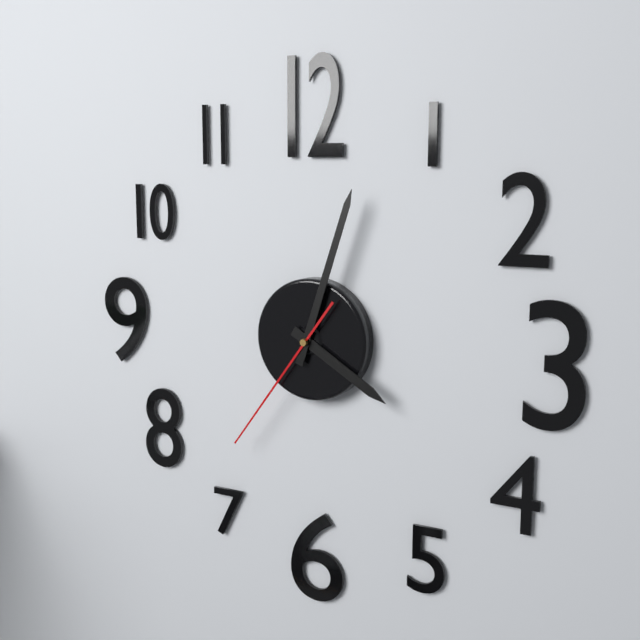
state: 4:03:36
